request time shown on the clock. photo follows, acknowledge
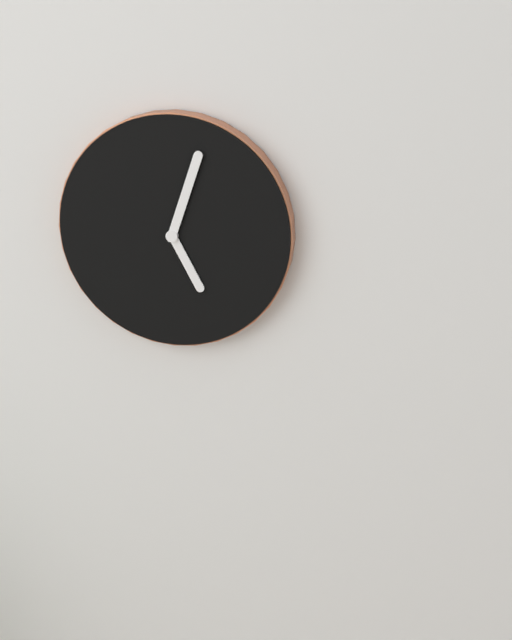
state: 5:03
